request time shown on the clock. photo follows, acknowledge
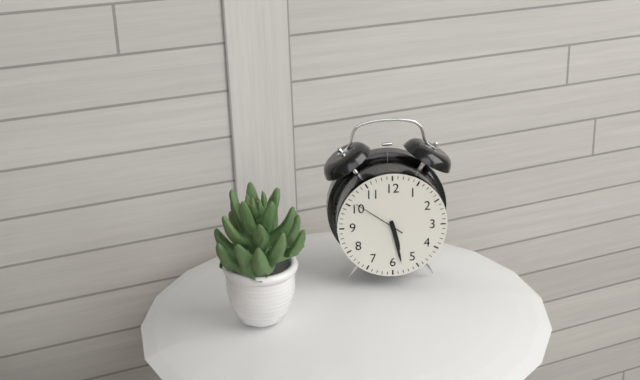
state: 5:28:51
